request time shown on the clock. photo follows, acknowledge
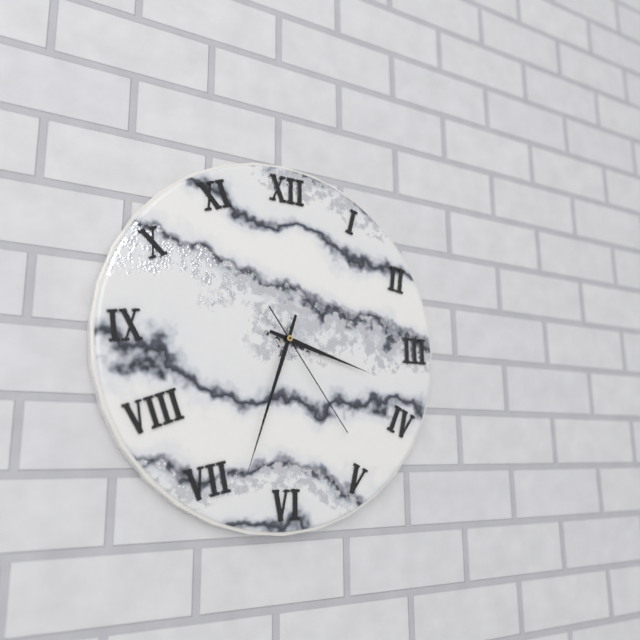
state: 3:33:24
